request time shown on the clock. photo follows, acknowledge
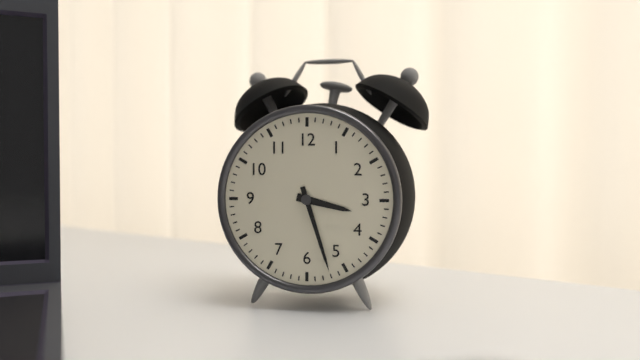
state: 3:27
